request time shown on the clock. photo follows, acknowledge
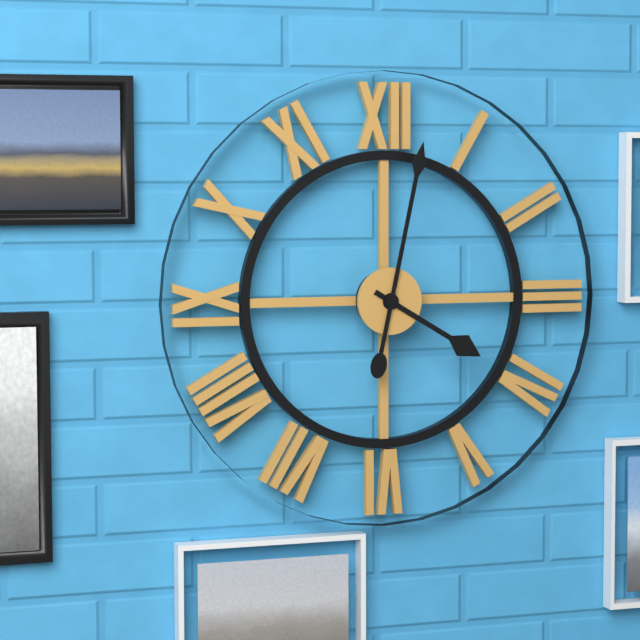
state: 4:02
